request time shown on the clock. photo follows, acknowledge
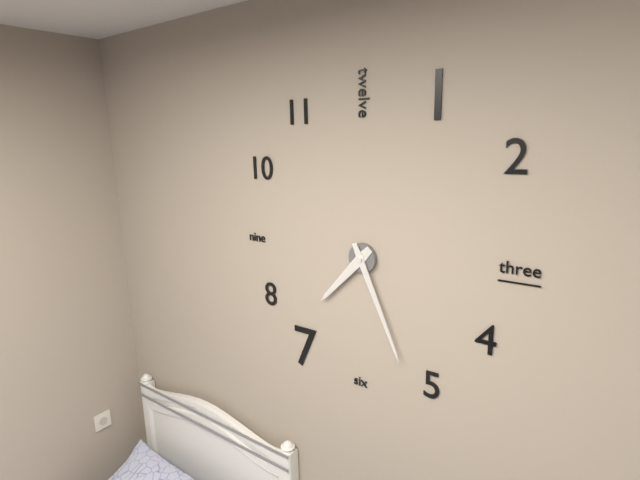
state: 7:26
